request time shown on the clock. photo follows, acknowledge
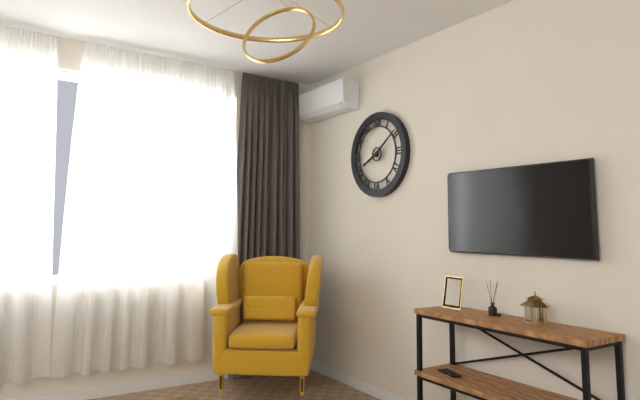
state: 8:09
